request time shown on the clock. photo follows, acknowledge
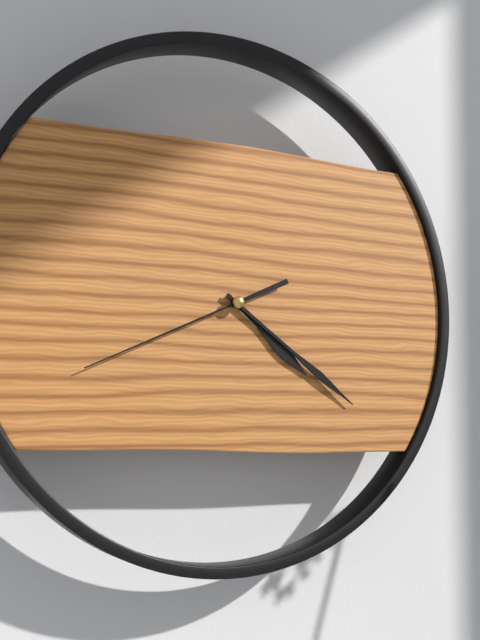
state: 4:21:41
